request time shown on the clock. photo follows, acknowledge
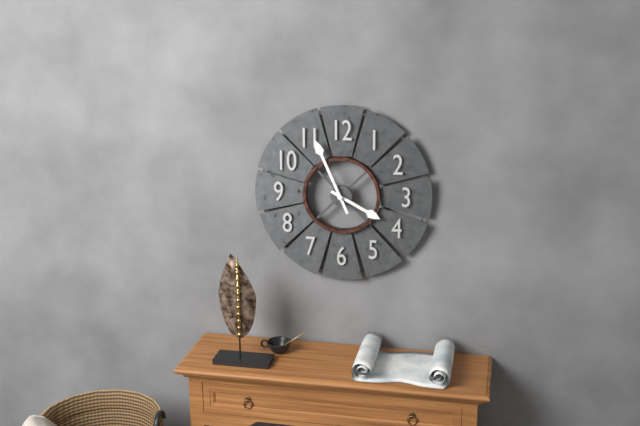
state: 3:56
